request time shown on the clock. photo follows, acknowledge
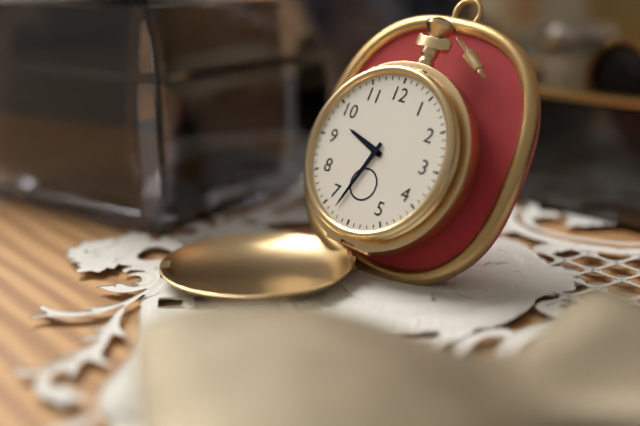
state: 9:33
